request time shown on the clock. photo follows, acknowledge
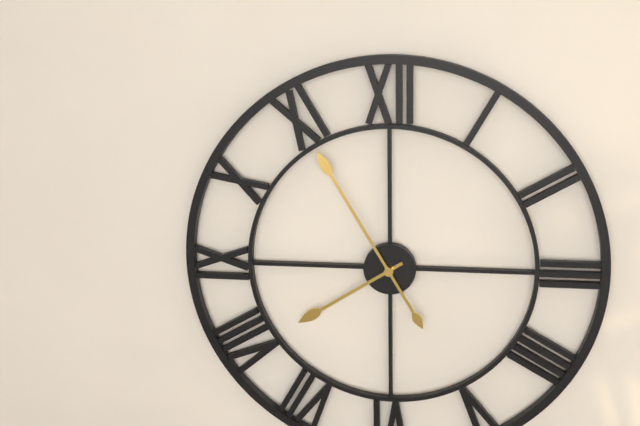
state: 7:55
